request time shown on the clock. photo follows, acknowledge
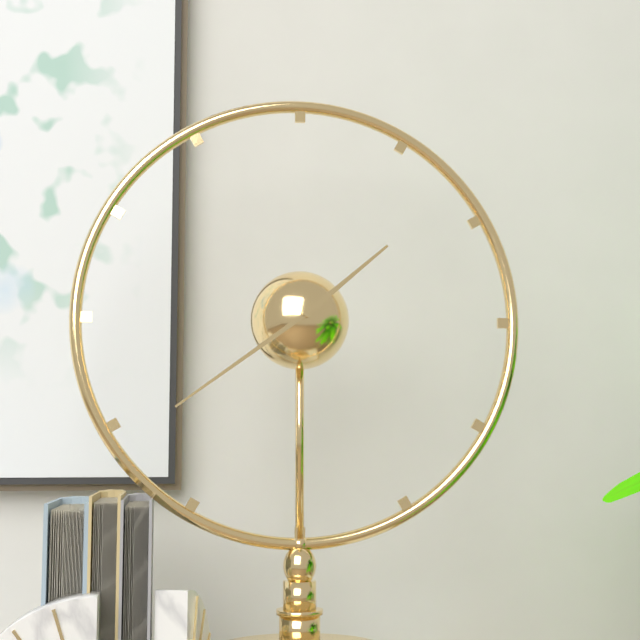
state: 1:39
